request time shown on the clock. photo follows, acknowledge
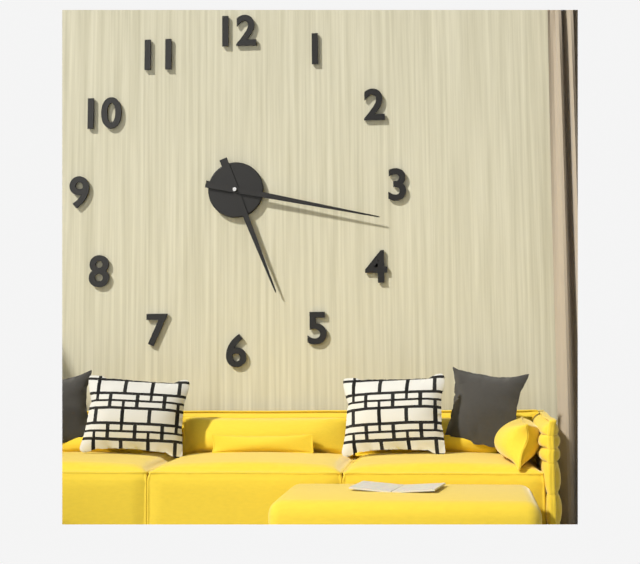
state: 5:17
